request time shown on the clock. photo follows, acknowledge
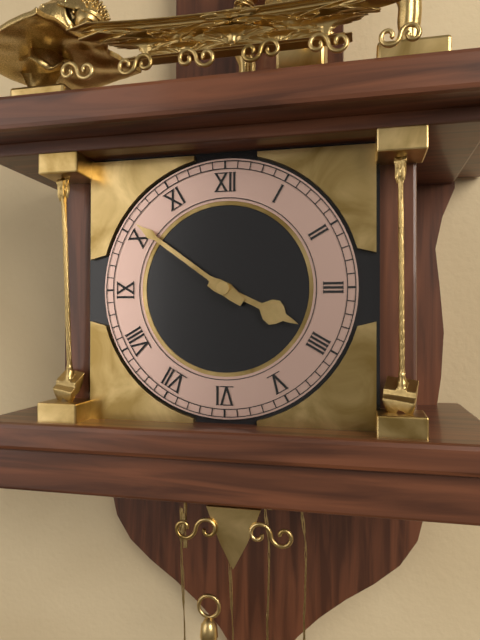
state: 3:51
